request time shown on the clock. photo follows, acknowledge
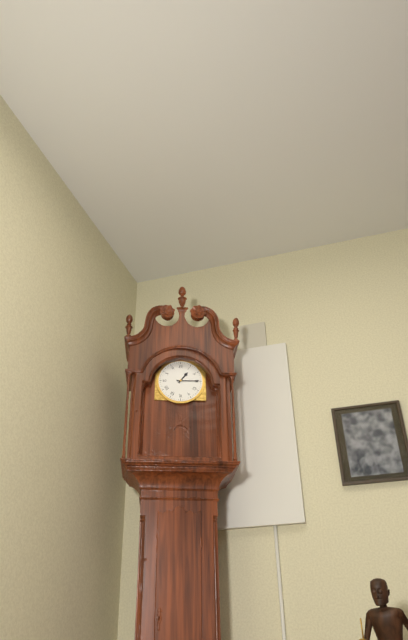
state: 1:15
